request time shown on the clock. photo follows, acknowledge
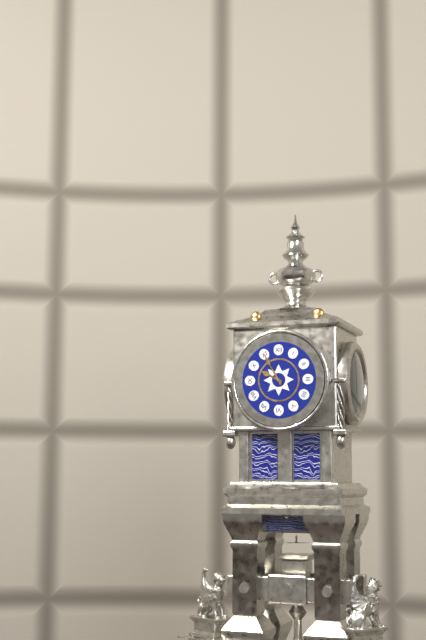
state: 9:55
